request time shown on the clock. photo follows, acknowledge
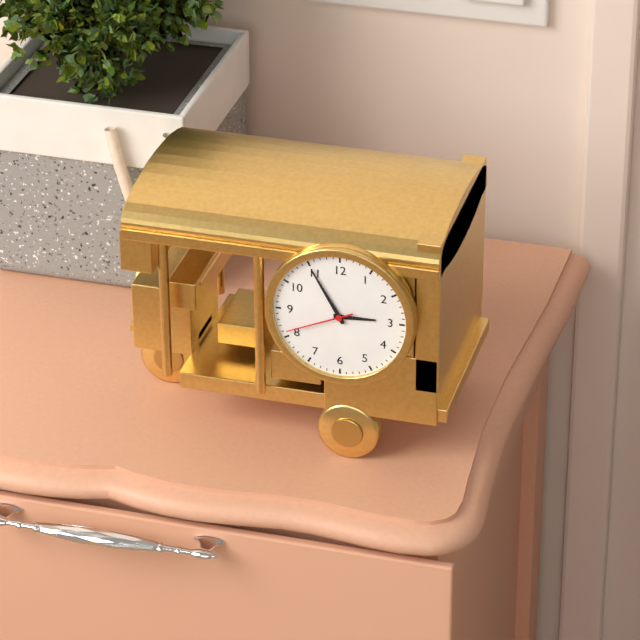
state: 2:55:41
